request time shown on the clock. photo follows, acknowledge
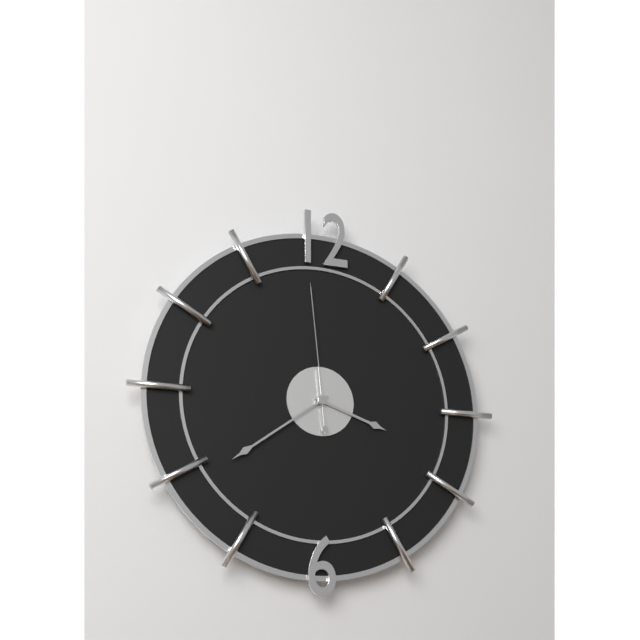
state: 3:39:59
